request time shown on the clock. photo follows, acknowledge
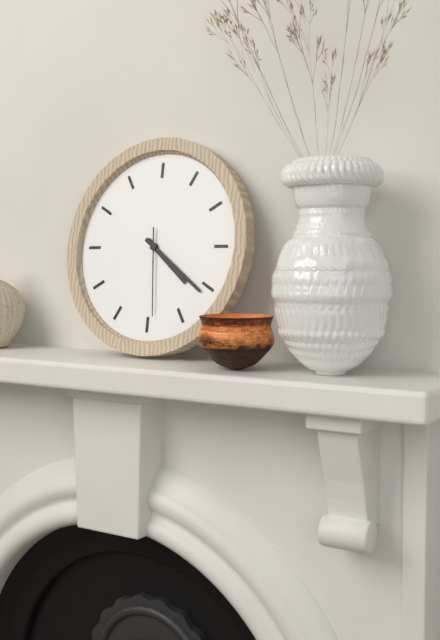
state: 4:21:29
